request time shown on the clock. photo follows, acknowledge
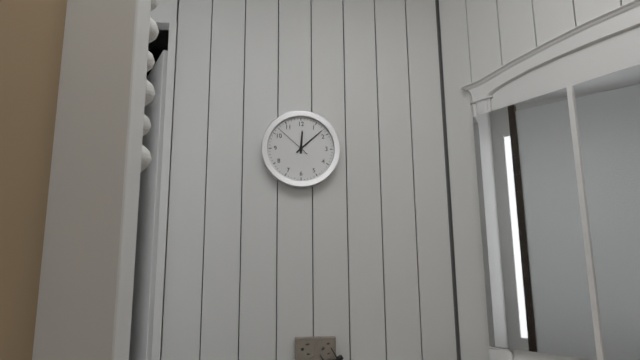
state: 12:08
